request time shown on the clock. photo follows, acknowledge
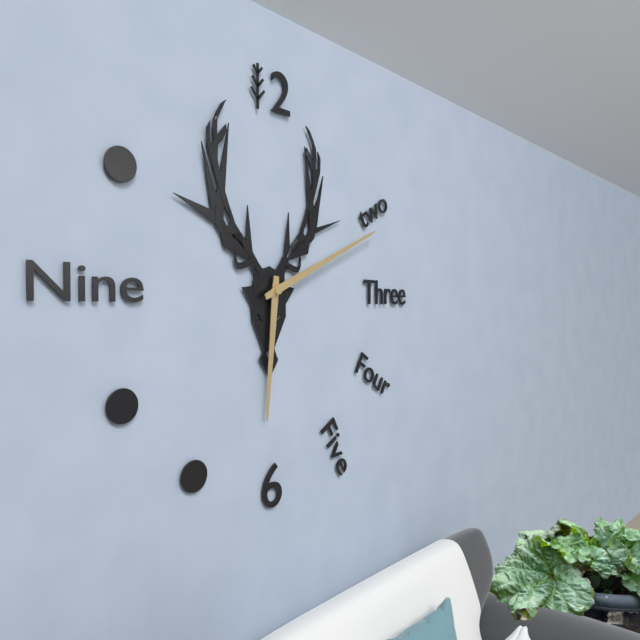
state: 6:11
